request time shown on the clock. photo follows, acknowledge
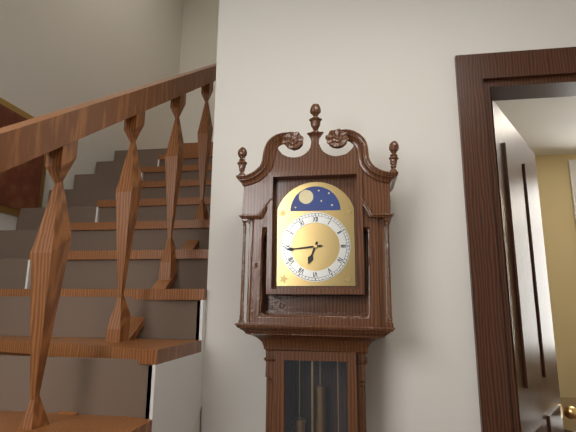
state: 6:44
